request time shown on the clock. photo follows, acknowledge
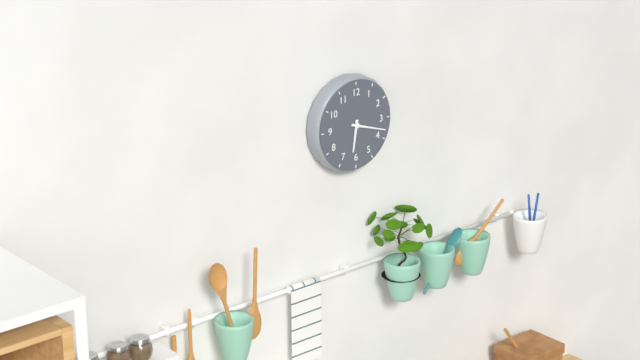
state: 6:18
